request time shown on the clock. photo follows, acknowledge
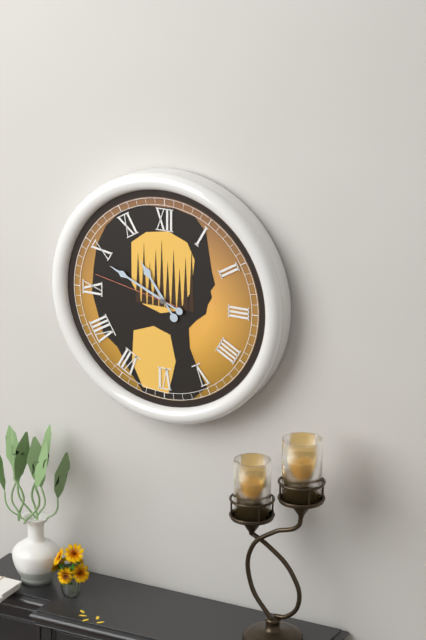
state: 10:49:47
